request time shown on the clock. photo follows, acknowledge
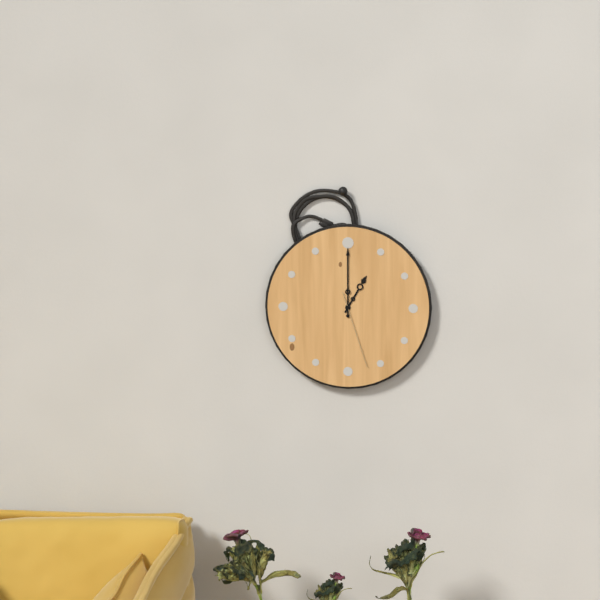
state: 1:00:27
